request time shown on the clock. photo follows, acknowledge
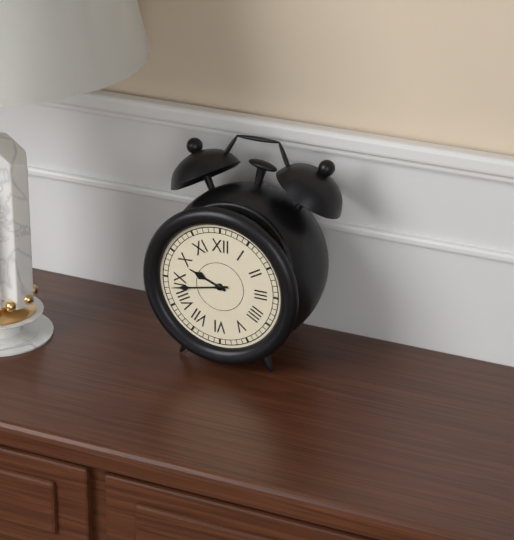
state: 9:43
